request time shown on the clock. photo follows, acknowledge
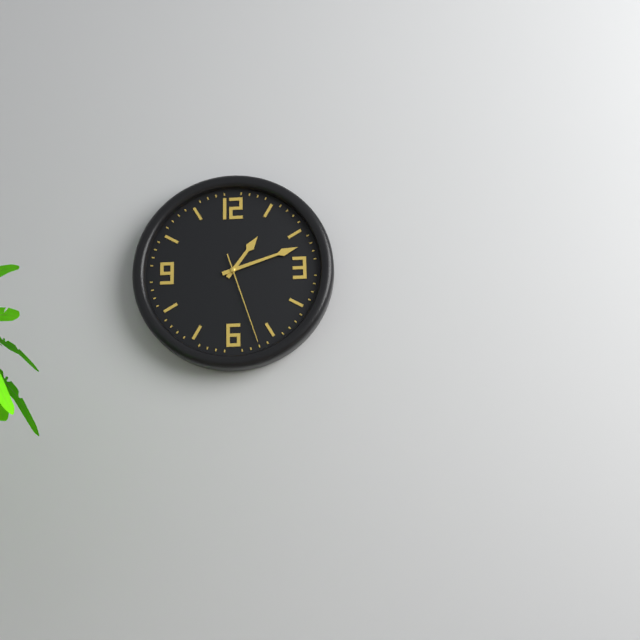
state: 1:12:27
